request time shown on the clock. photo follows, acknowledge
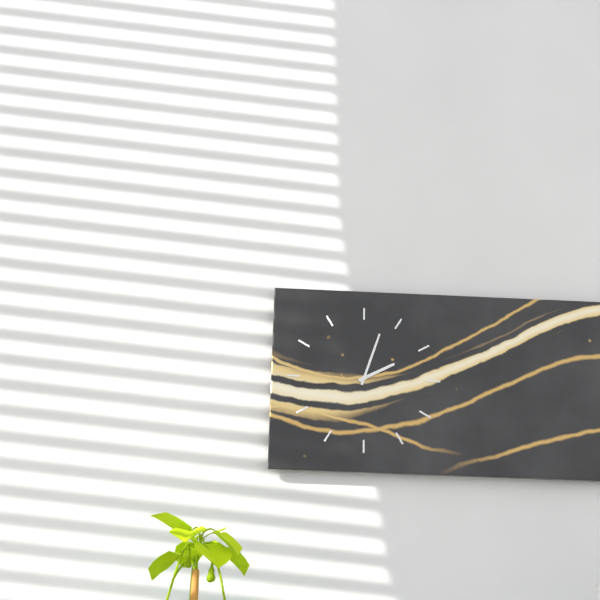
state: 2:03
